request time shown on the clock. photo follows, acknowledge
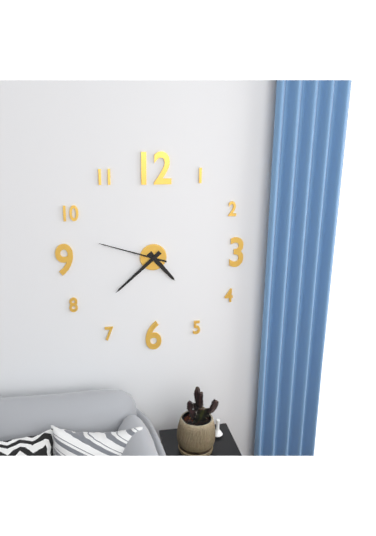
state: 4:38:48
